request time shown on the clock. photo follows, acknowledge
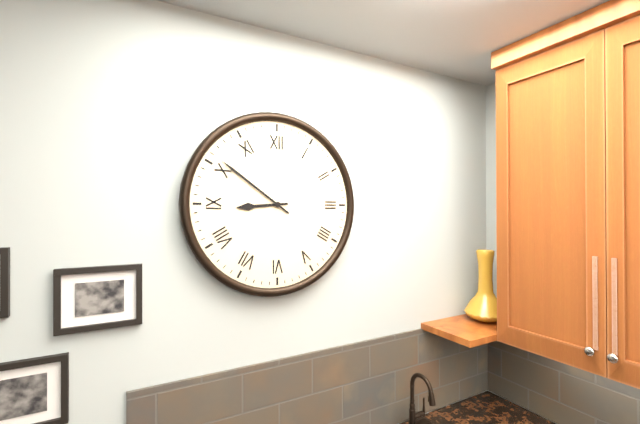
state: 8:51
